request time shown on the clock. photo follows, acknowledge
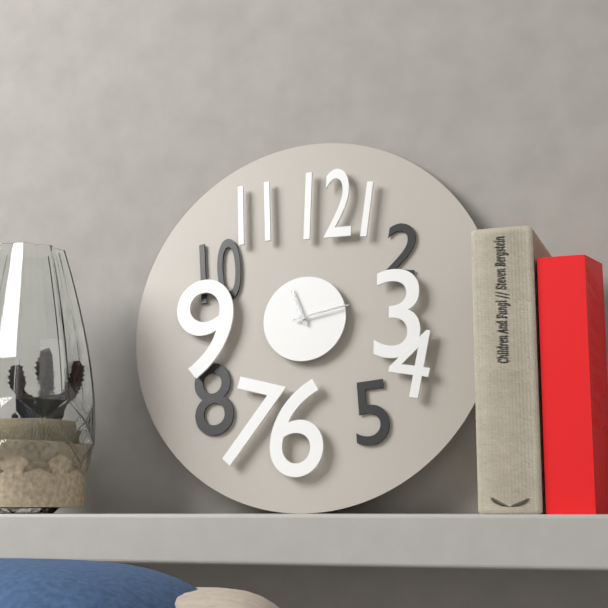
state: 11:13
